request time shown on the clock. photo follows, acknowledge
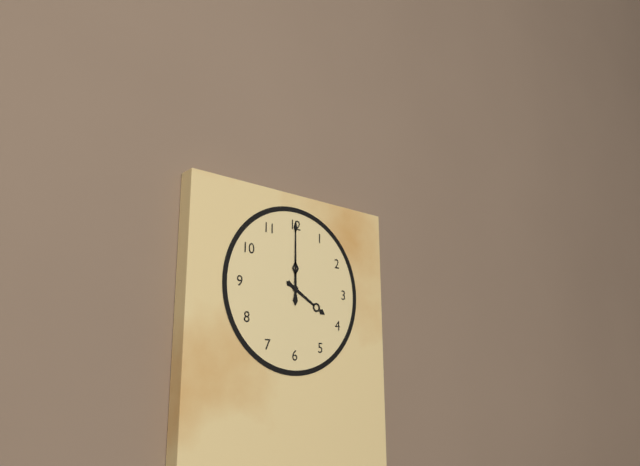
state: 4:00
